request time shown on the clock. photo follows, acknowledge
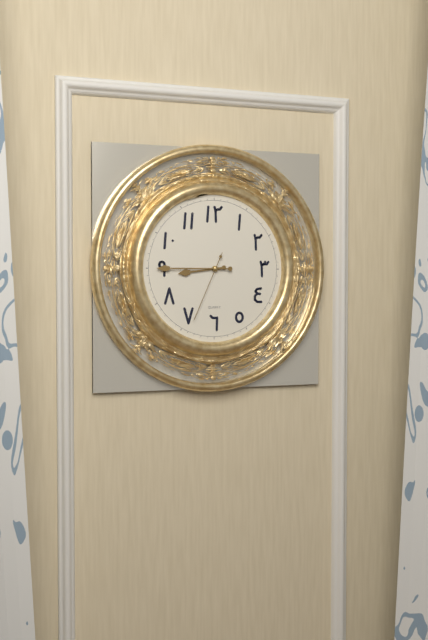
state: 8:45:34
